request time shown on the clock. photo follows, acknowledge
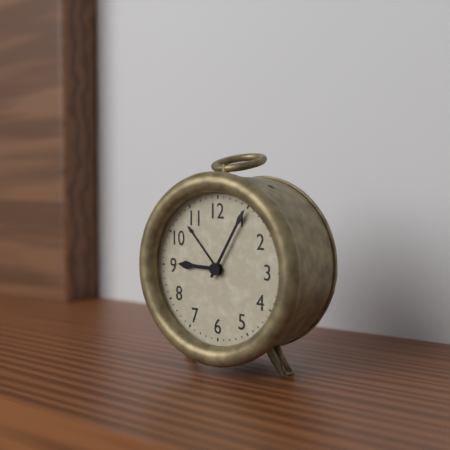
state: 9:05
